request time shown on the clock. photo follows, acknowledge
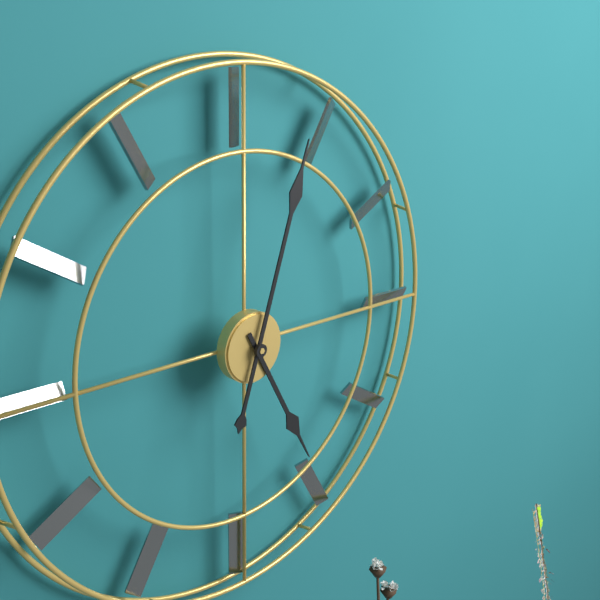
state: 5:03
